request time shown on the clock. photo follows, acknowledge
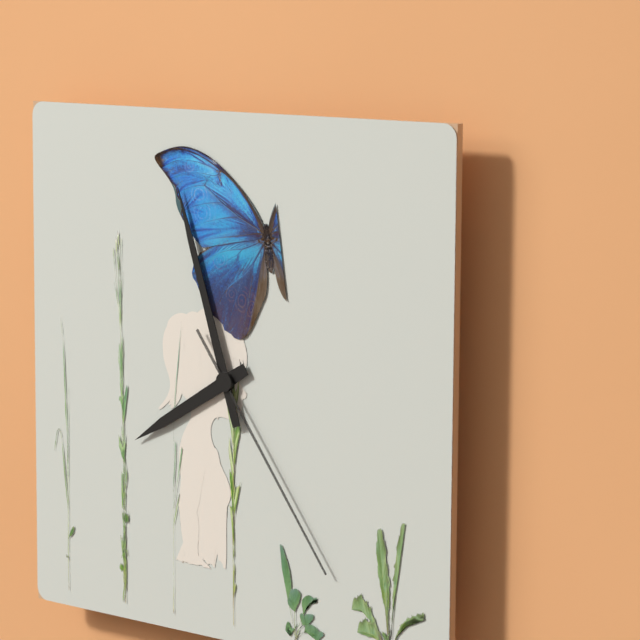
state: 7:57:24
